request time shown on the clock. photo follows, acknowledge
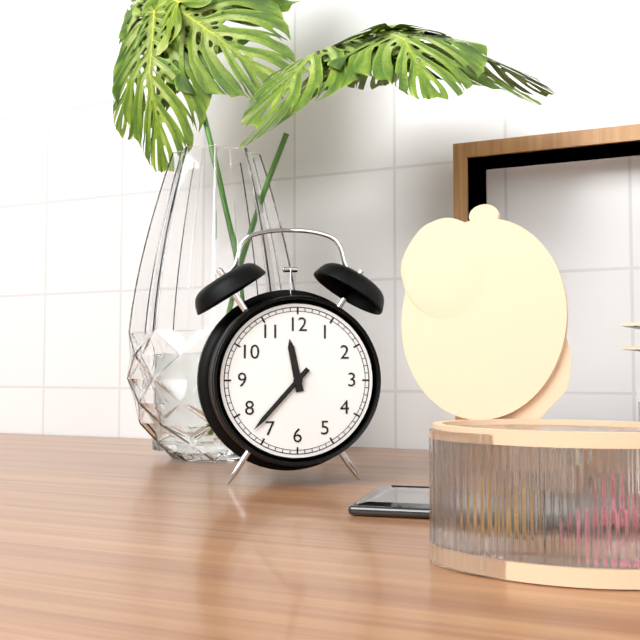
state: 11:37
